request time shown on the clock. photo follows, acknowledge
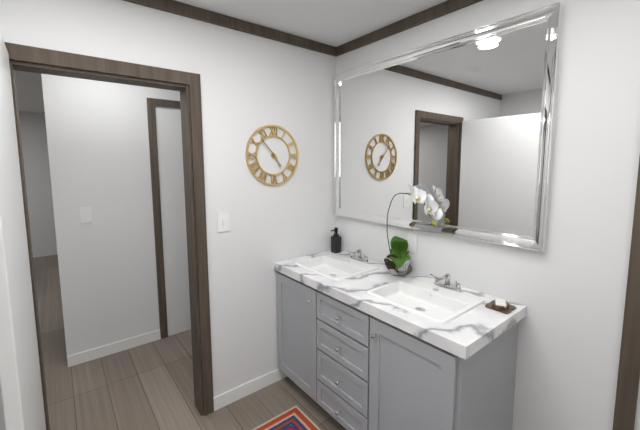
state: 4:53
